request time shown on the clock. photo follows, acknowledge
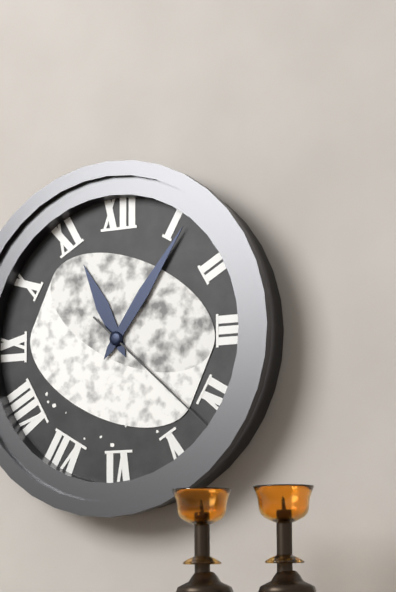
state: 11:06:22
